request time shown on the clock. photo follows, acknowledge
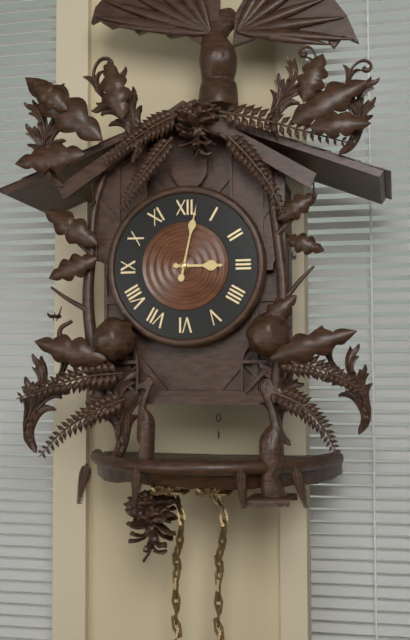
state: 3:02
